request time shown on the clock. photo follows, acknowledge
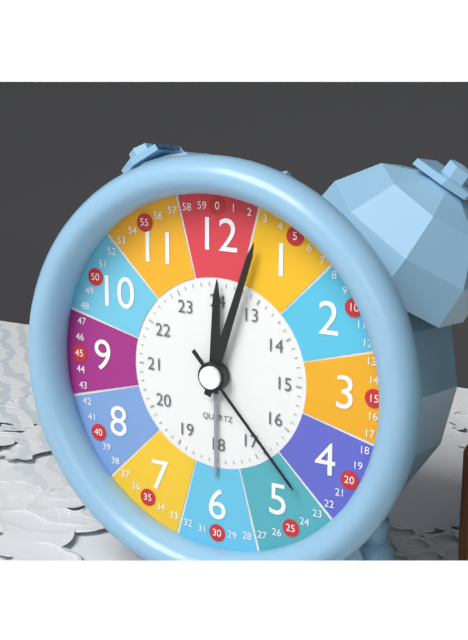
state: 12:03:23
